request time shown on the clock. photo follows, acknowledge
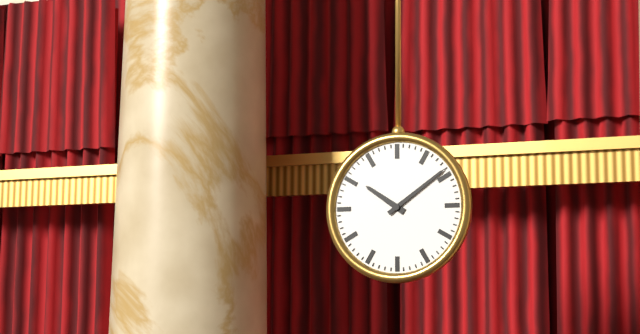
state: 10:09
